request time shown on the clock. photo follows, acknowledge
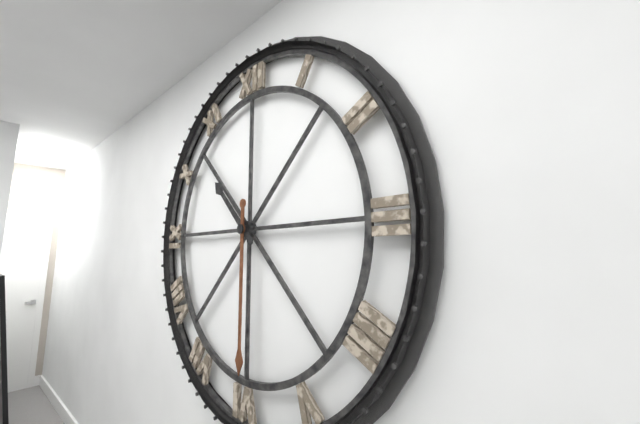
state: 10:30
